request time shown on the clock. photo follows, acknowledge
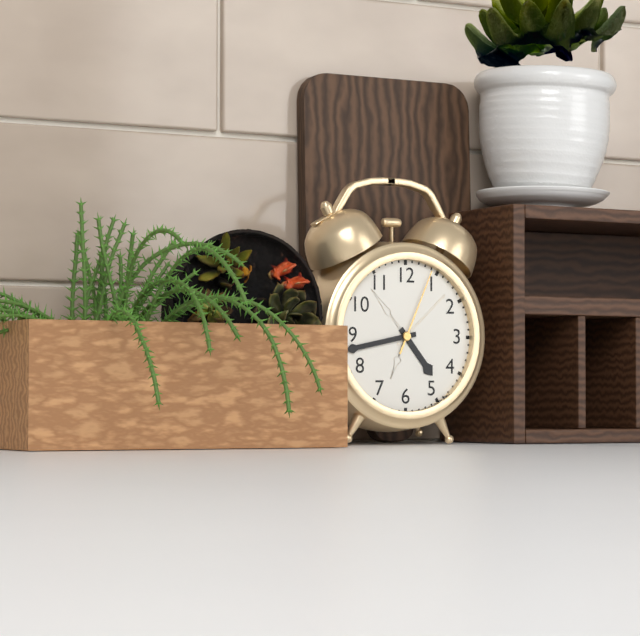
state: 4:43:04
